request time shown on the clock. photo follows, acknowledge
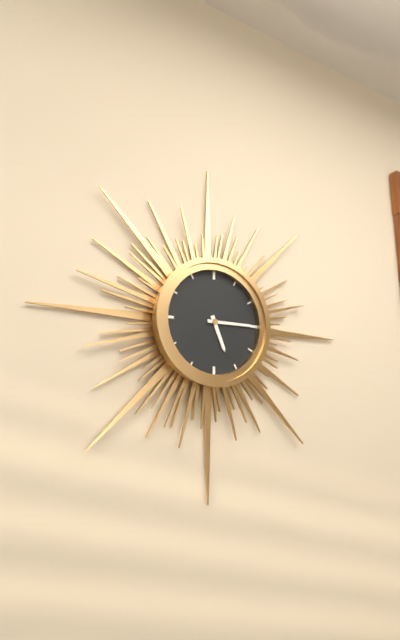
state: 5:15
